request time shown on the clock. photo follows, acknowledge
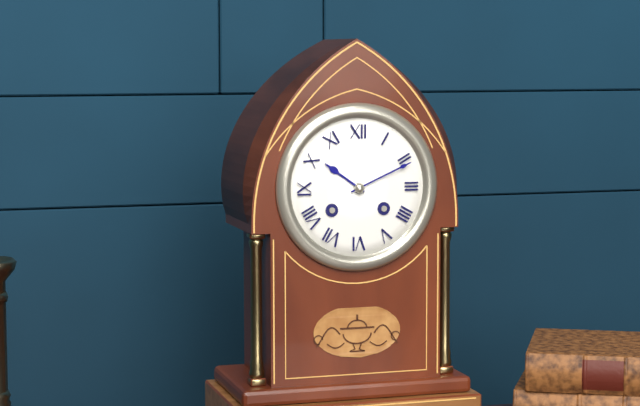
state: 10:11
